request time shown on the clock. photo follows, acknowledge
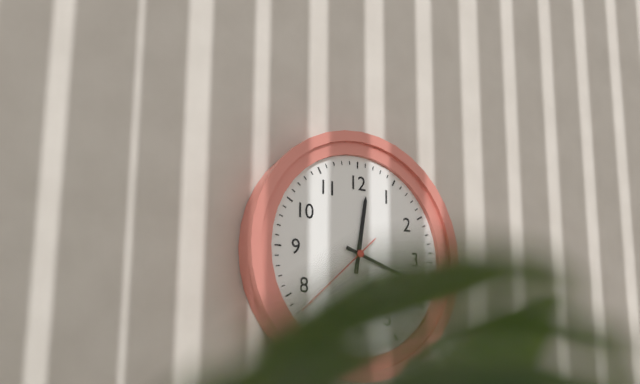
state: 12:18:38
